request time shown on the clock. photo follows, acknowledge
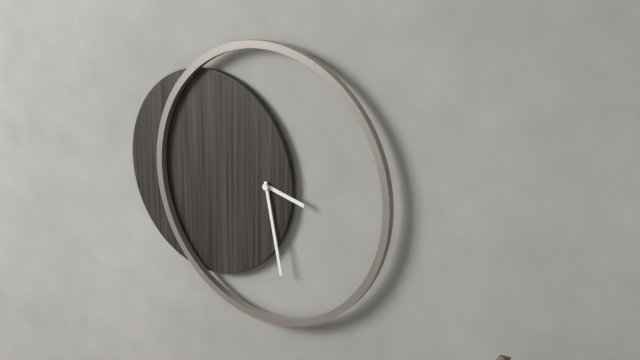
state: 3:28
